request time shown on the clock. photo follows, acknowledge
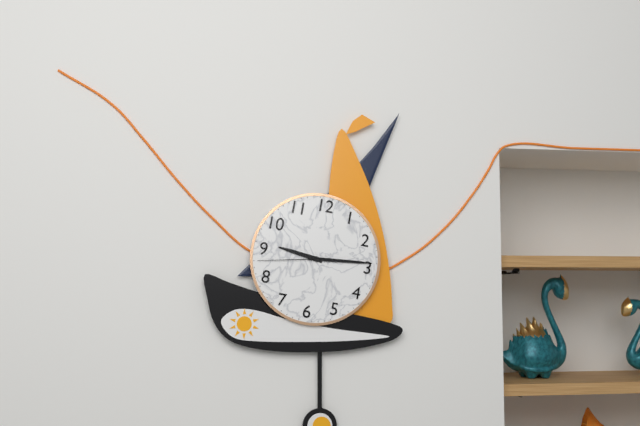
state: 9:14:43
